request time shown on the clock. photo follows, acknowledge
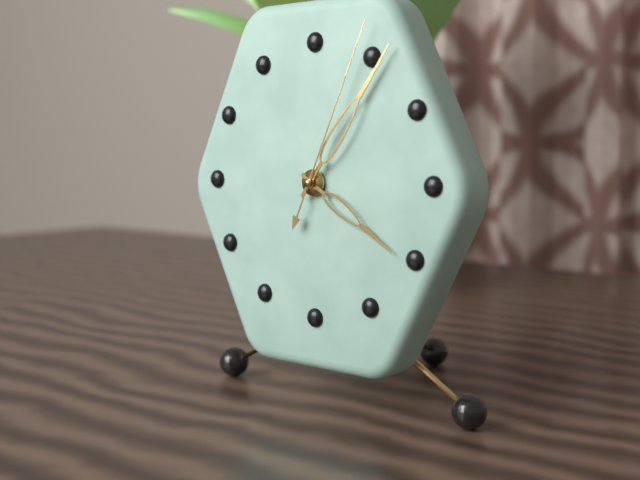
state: 4:06:04
